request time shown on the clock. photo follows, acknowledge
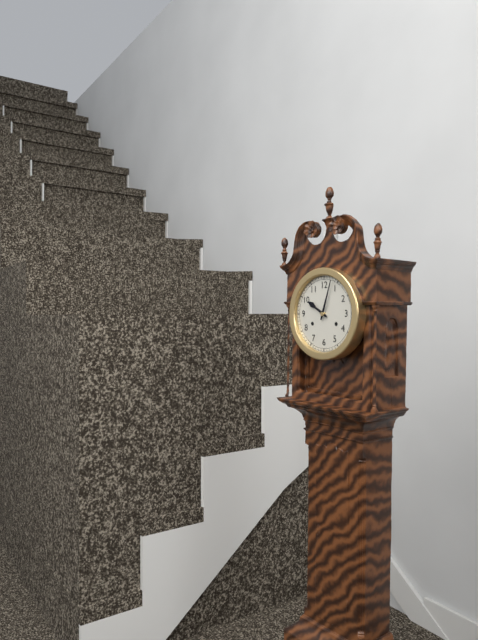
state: 10:03
